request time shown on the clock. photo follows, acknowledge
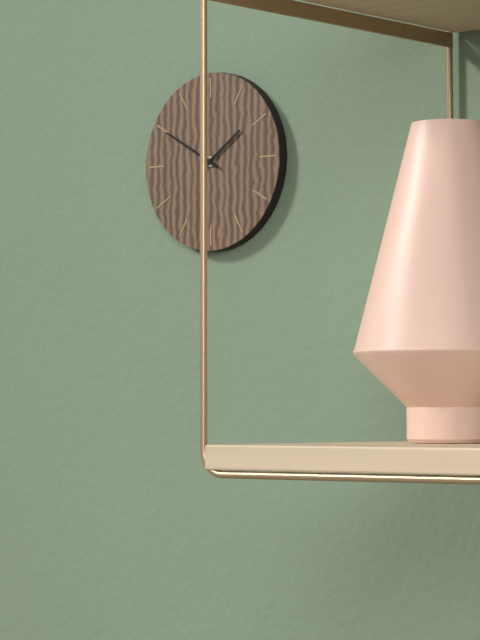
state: 1:50
